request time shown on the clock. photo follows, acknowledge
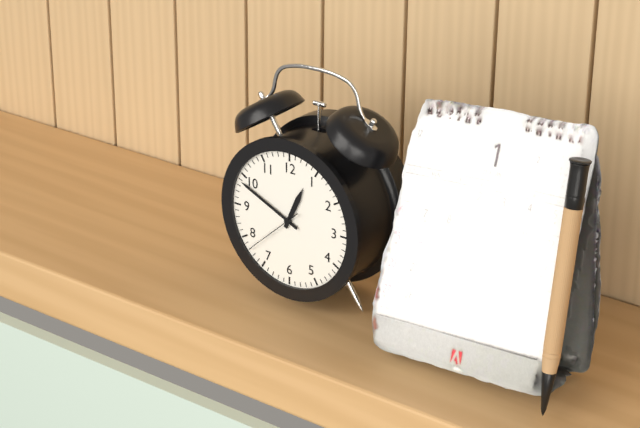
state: 12:49:38
